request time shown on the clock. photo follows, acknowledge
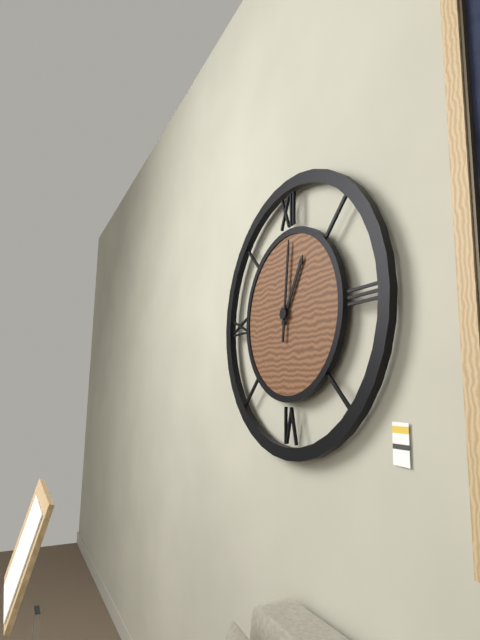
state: 1:01
